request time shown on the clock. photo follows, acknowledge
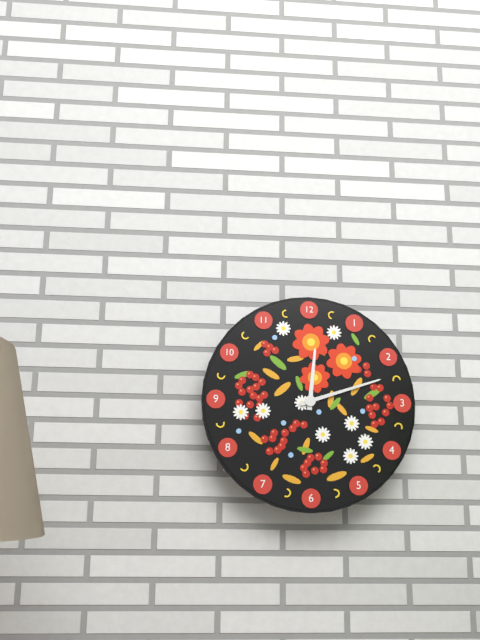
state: 12:12
